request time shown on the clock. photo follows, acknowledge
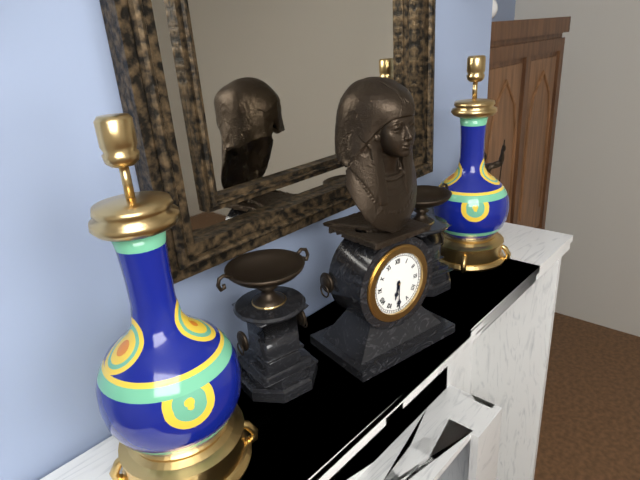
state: 6:30
